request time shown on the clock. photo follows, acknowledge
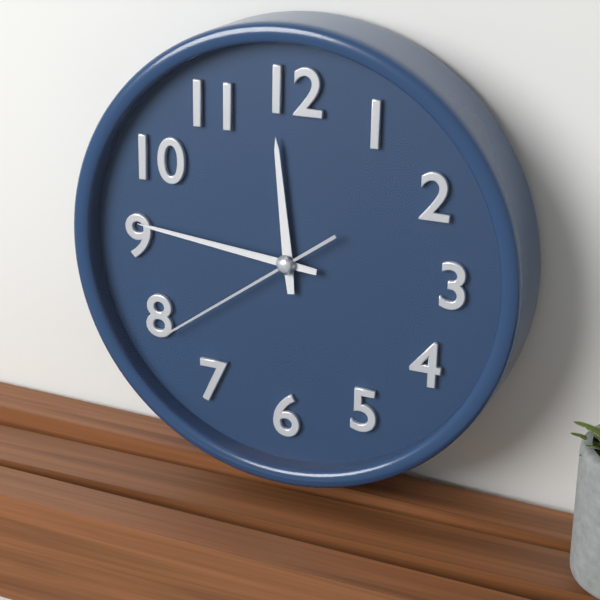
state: 11:46:39
